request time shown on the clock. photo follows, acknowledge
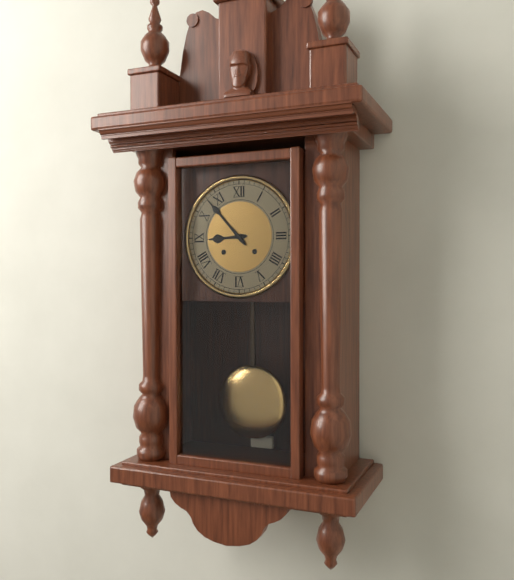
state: 8:53
